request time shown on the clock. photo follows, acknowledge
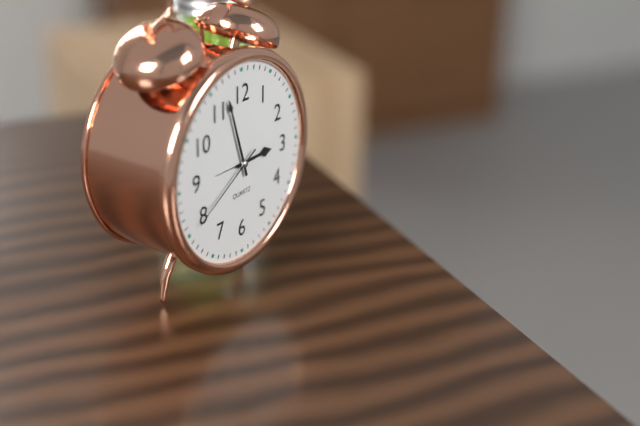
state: 2:57:40
